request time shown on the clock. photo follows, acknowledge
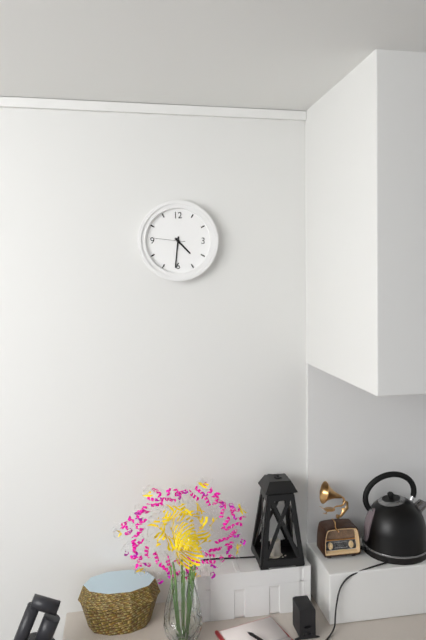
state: 4:31
